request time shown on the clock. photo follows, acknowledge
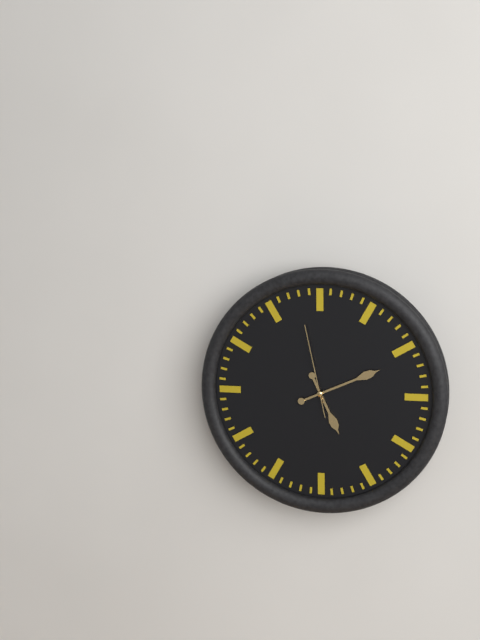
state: 5:11:58
